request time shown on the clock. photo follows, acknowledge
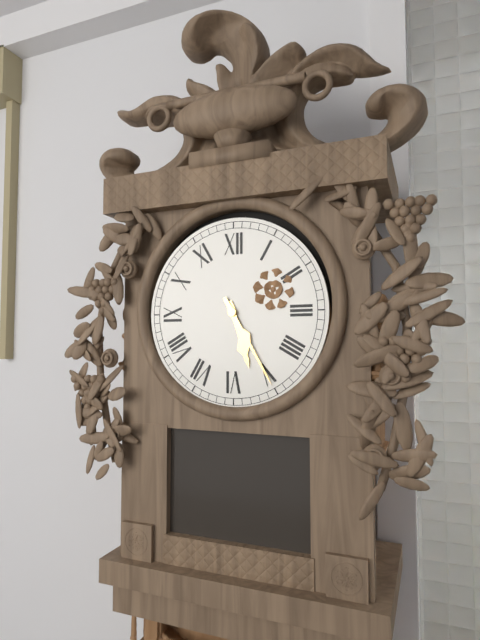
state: 5:25
